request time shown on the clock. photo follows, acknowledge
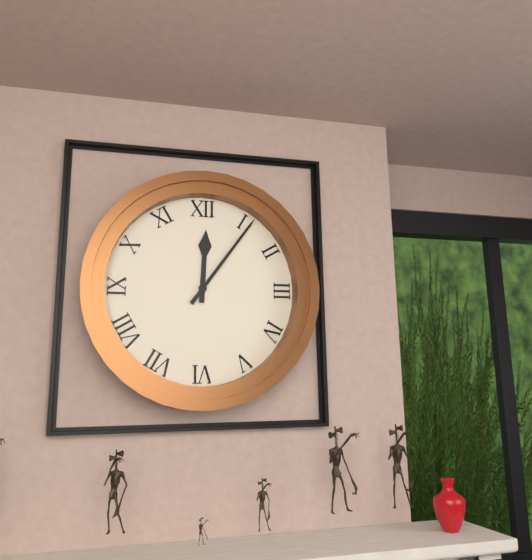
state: 12:06
